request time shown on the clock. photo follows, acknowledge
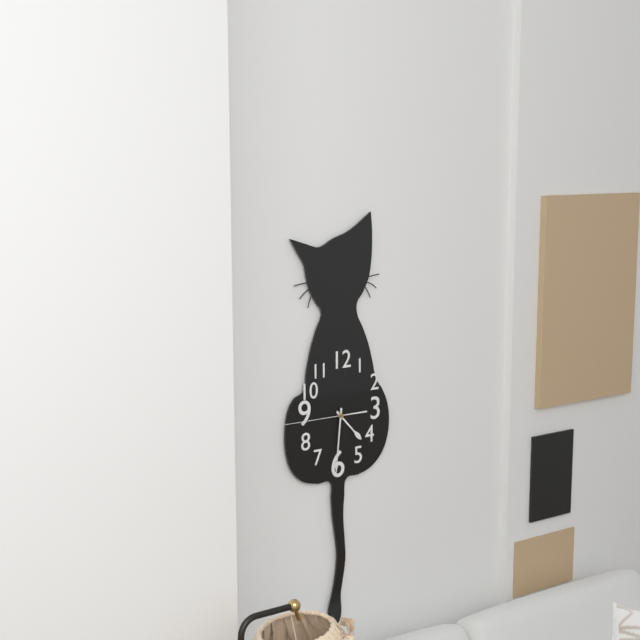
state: 4:31:45
